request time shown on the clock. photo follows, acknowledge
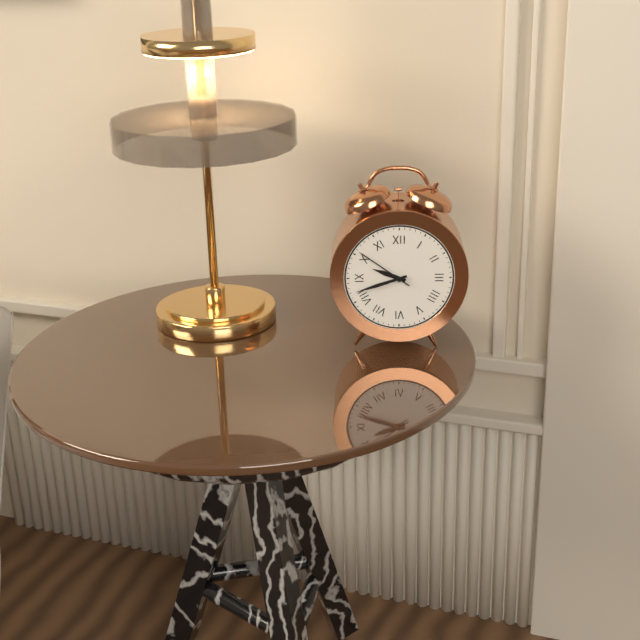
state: 9:42:51
